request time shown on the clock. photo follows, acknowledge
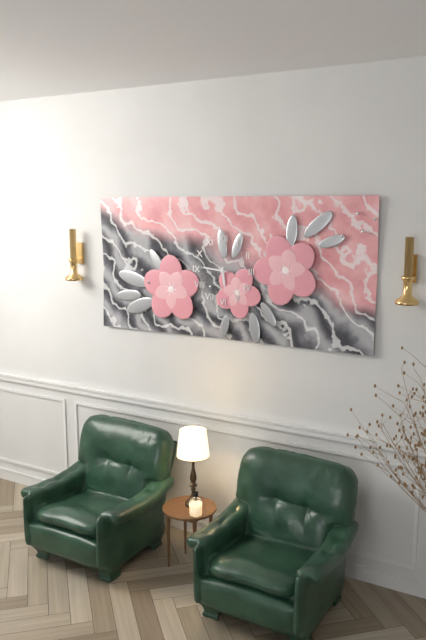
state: 5:46
